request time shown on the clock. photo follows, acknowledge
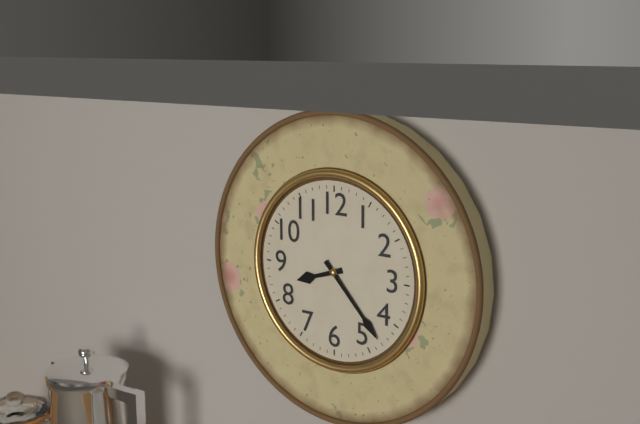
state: 8:23
